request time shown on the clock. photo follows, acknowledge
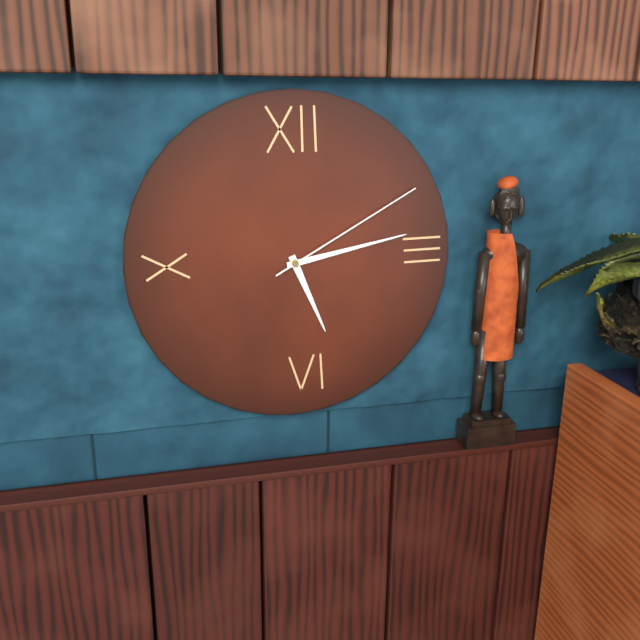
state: 5:13:10
